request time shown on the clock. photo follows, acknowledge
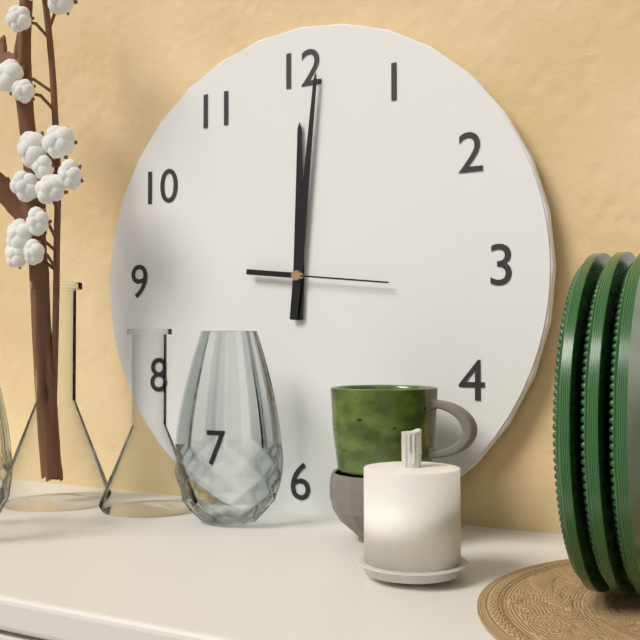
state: 12:01:16
